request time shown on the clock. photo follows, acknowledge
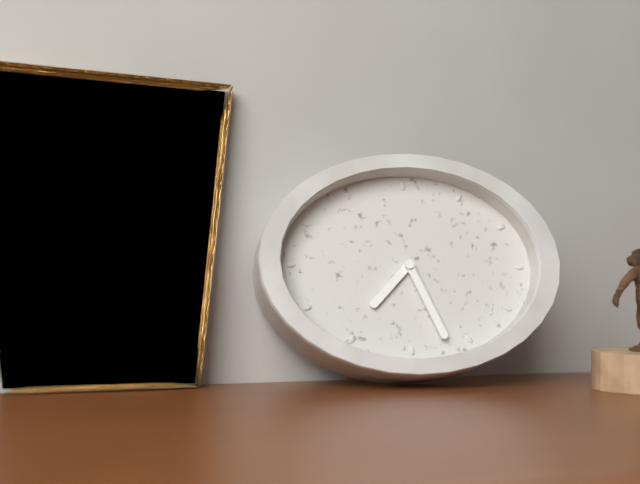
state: 7:26
